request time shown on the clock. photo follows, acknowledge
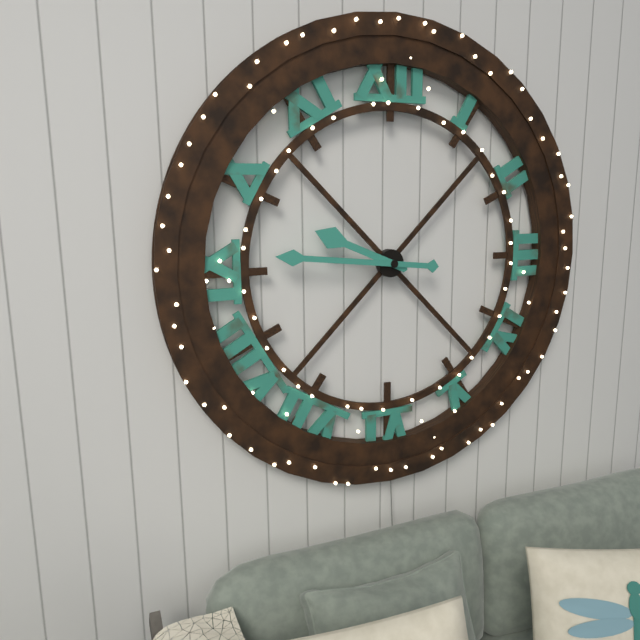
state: 9:46
